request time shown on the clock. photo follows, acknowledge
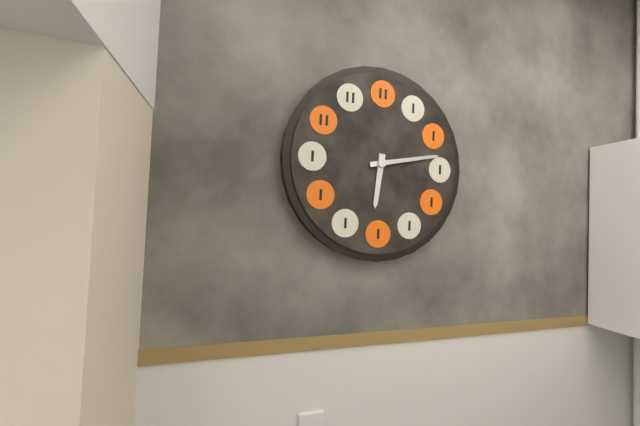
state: 6:13
